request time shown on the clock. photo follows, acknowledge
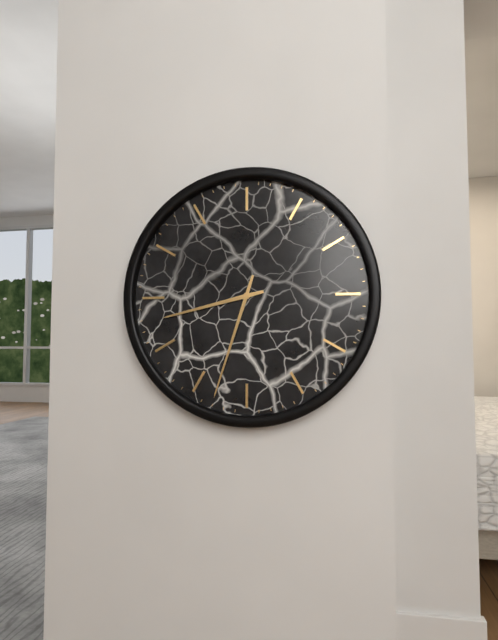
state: 8:33
